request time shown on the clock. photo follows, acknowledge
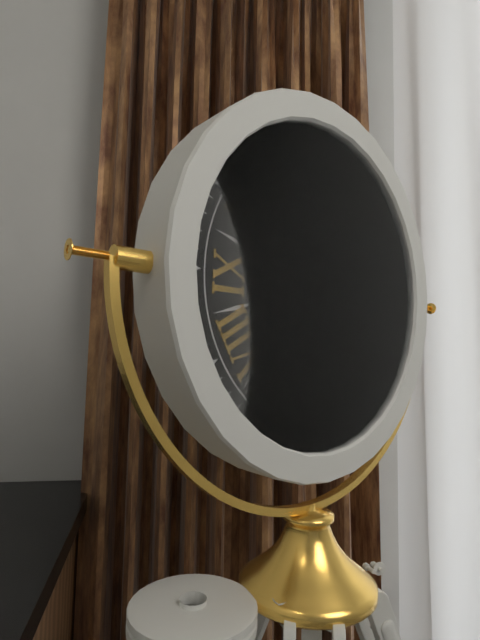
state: 10:05:10
